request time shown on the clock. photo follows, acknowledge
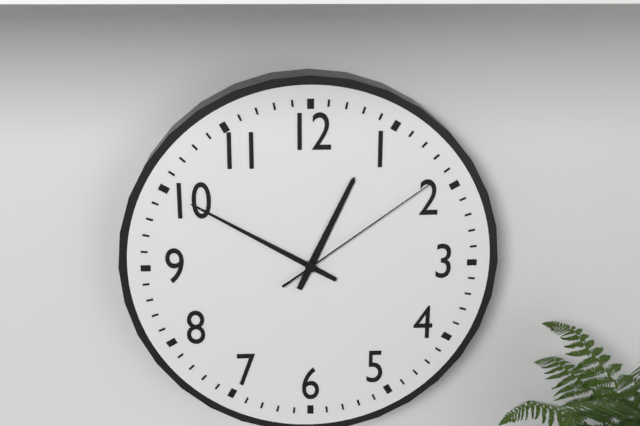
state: 12:50:09
